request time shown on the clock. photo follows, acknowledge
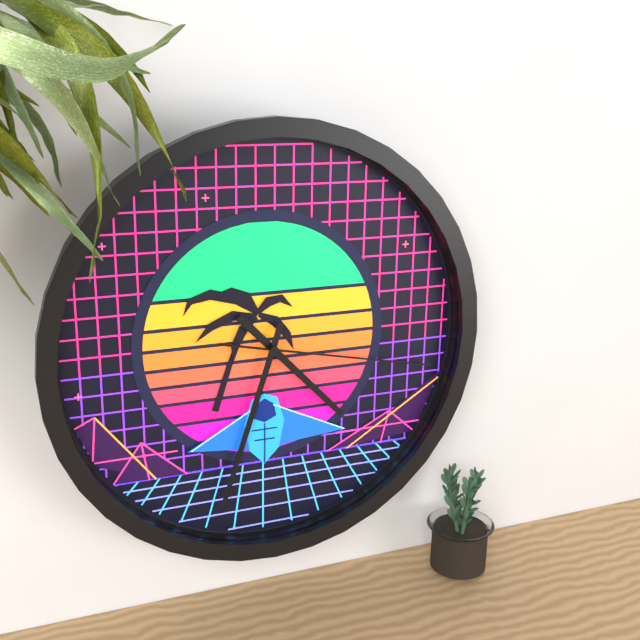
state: 4:33:17
